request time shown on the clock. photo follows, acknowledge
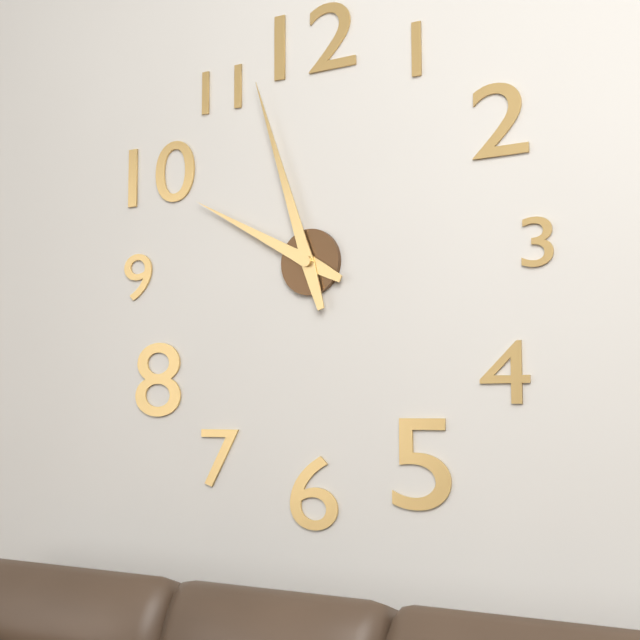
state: 9:57
